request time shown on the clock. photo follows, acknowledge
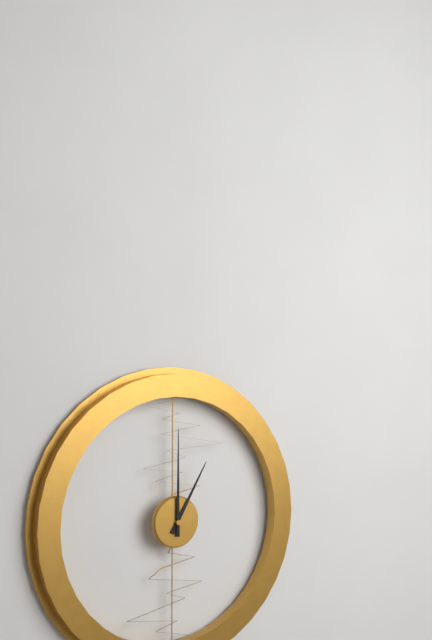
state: 1:00
